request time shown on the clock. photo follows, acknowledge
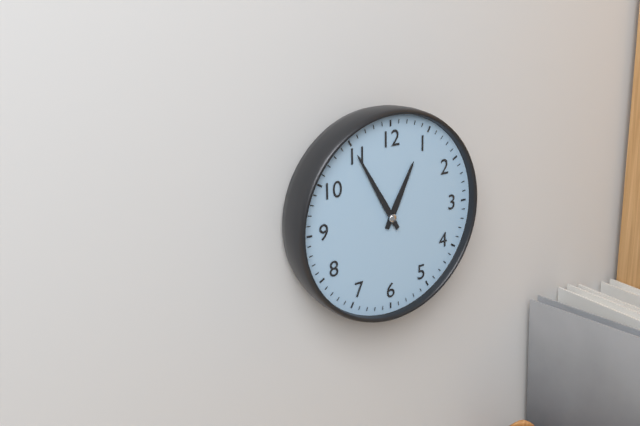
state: 12:55
